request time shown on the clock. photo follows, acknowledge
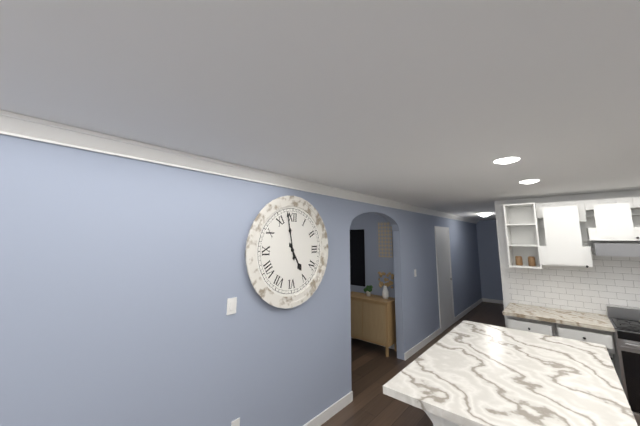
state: 4:58
